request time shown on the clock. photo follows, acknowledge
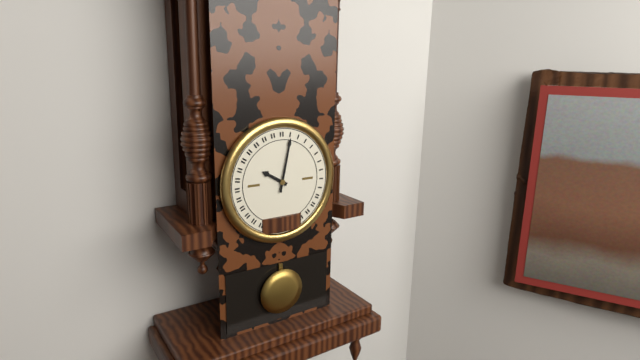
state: 10:02
